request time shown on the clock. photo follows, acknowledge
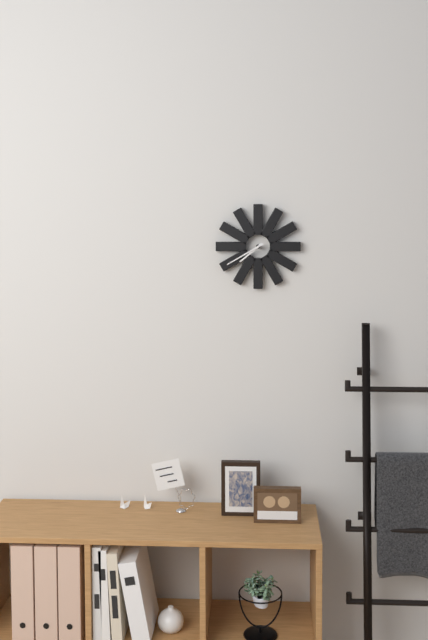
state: 7:40
